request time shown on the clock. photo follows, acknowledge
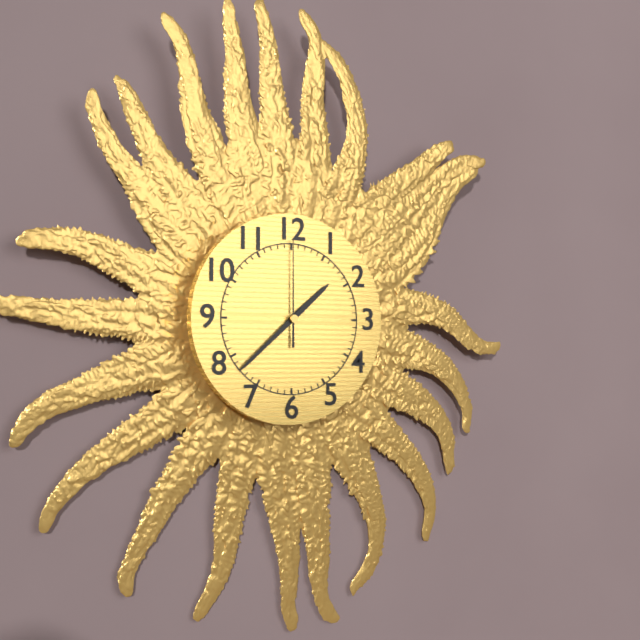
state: 1:38:00
